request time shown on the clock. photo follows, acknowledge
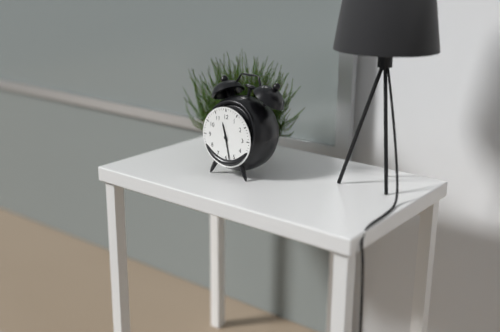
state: 11:28
